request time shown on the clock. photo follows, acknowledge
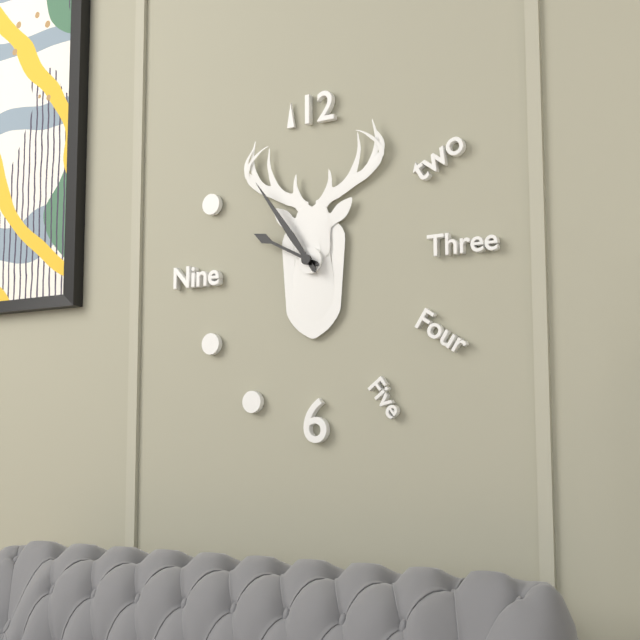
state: 9:54
